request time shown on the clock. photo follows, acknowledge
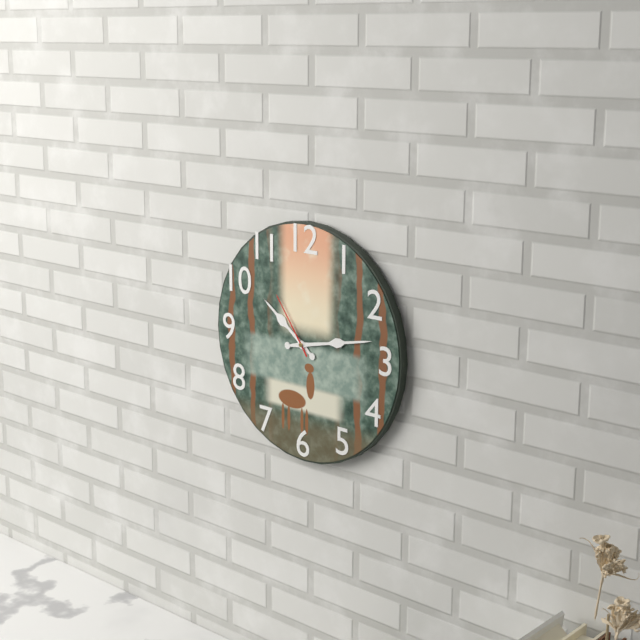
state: 10:13:54
